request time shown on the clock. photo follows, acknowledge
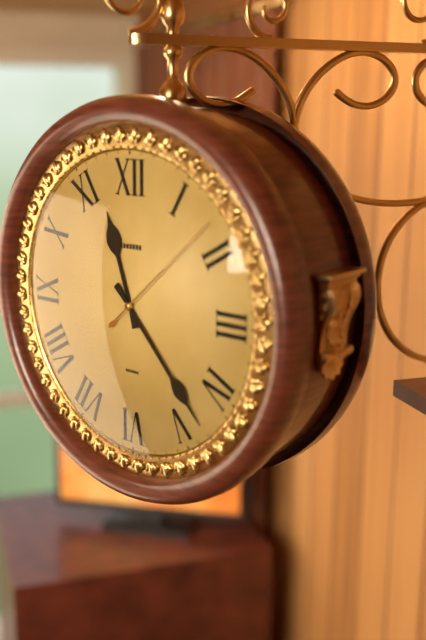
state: 11:23:08
